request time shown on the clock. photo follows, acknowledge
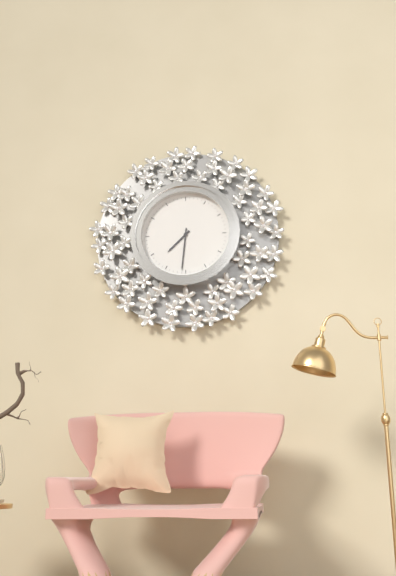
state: 7:31
